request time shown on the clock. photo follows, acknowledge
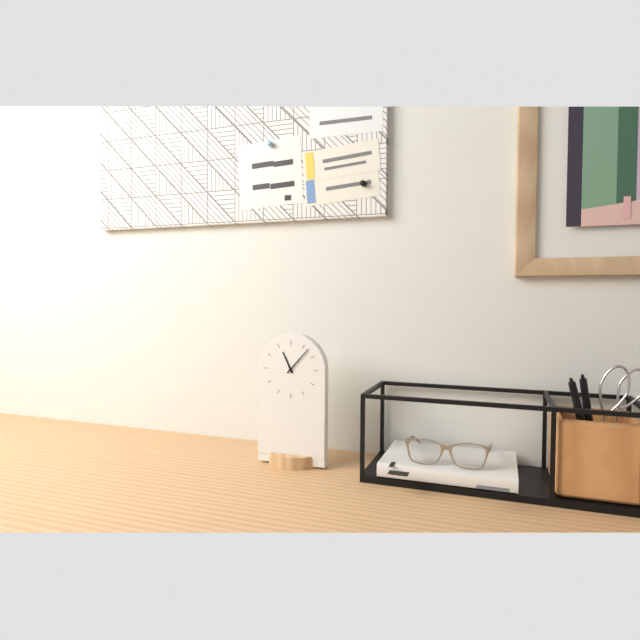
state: 11:07
